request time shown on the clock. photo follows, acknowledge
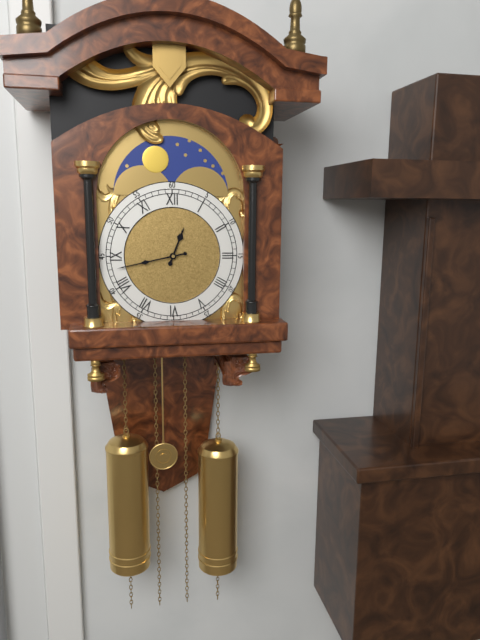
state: 12:43
